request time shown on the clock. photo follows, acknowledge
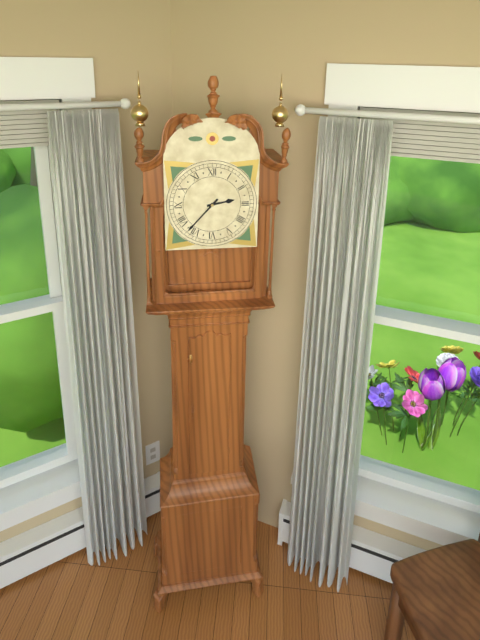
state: 2:37
